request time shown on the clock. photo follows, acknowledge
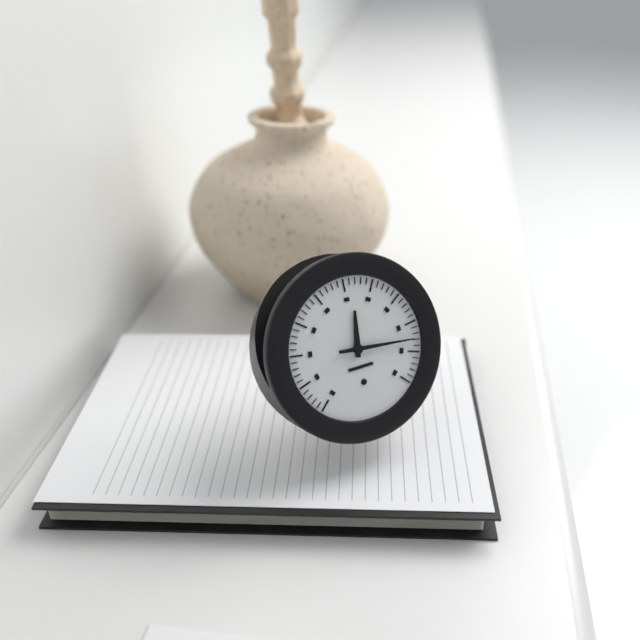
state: 12:16
